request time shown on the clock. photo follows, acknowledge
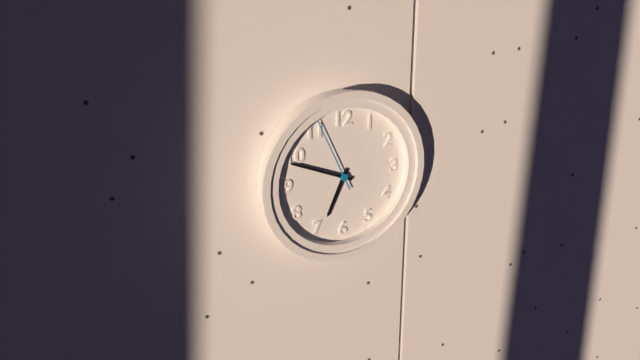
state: 6:49:56
